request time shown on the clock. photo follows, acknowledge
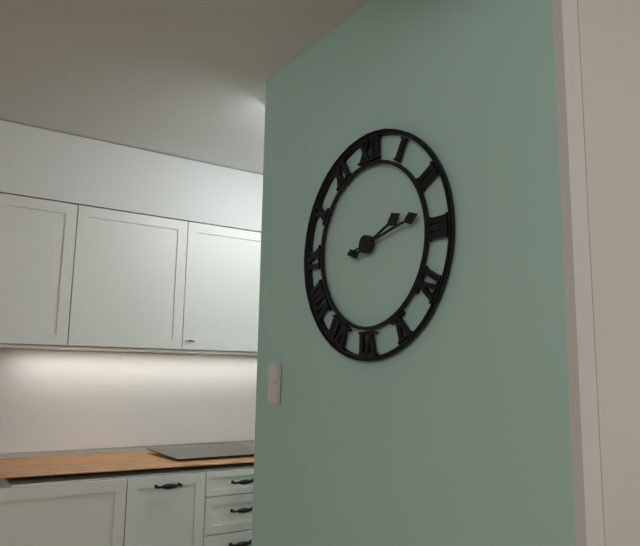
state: 2:13
